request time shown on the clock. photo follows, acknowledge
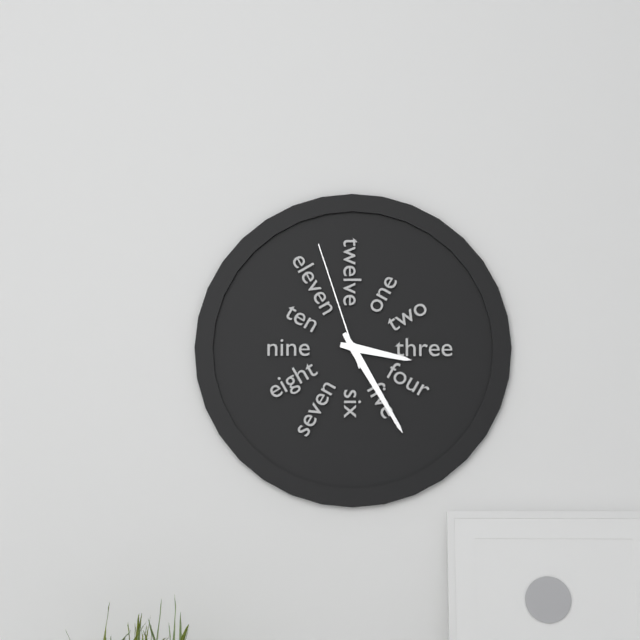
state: 3:25:57
